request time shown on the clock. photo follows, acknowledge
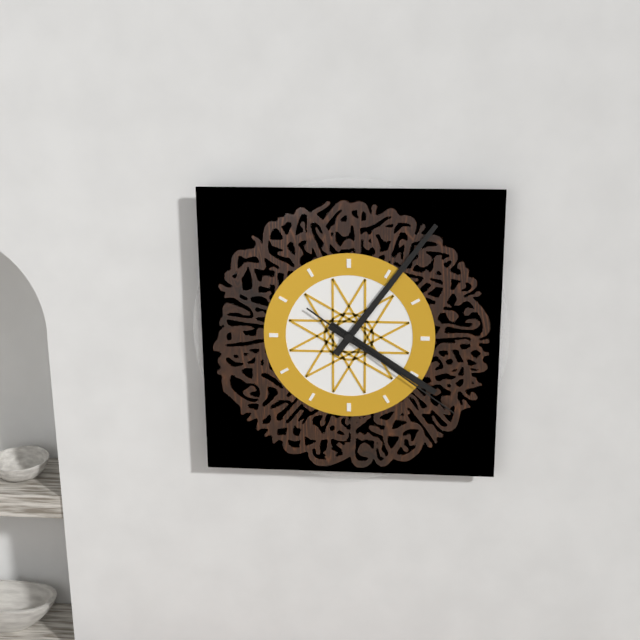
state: 4:06:21
